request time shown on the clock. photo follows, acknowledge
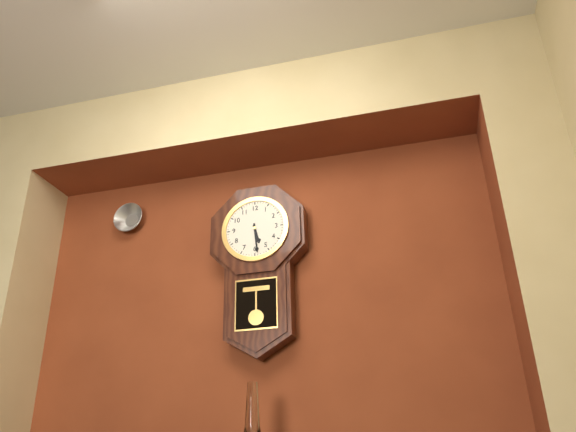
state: 5:29
